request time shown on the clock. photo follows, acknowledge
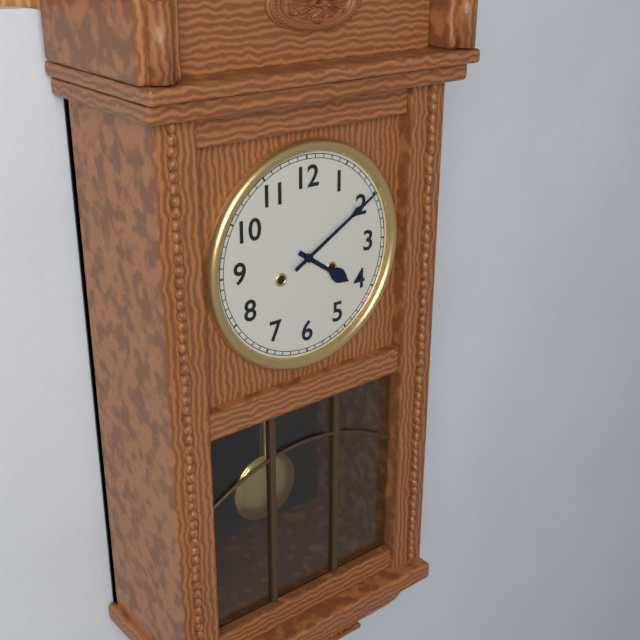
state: 4:10
